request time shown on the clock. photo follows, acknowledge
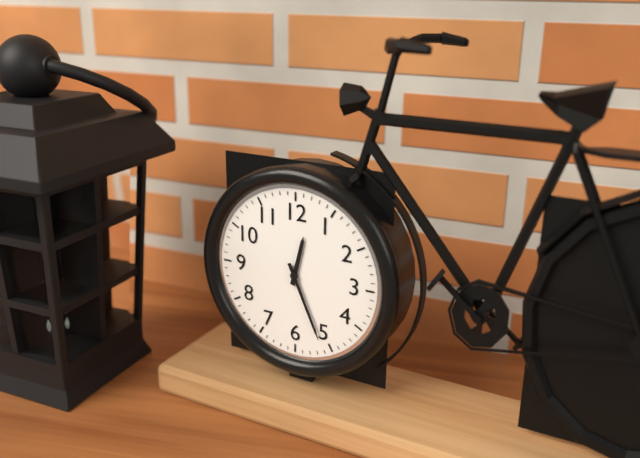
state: 12:26
